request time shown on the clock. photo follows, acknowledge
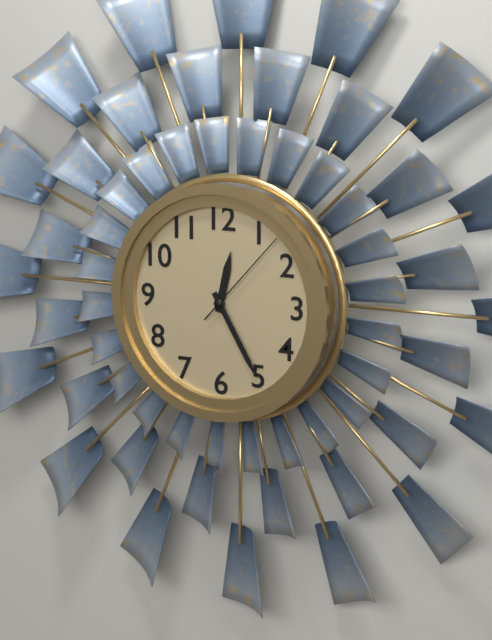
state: 12:25:07
